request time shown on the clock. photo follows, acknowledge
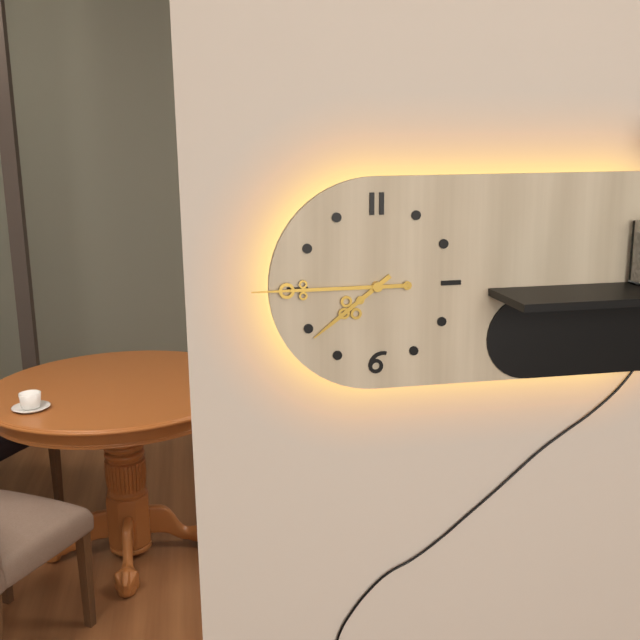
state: 7:45
